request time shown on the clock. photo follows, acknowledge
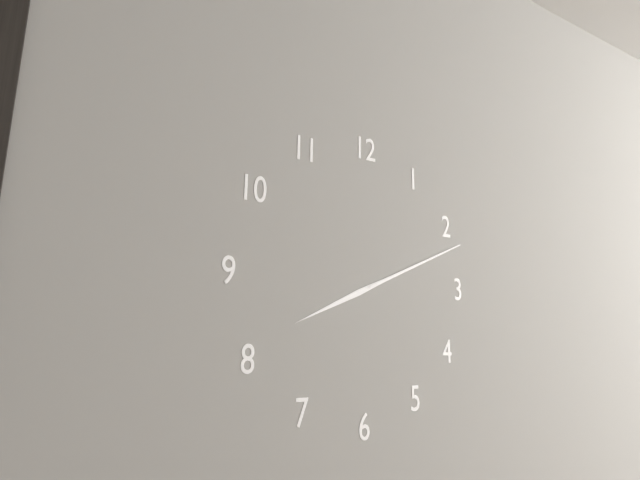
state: 8:11
